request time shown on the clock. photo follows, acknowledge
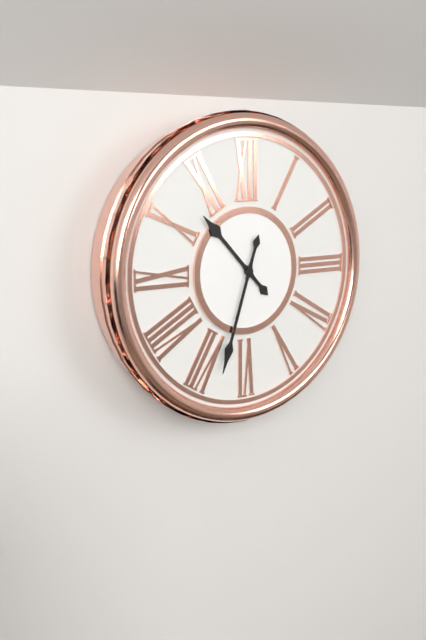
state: 10:33
